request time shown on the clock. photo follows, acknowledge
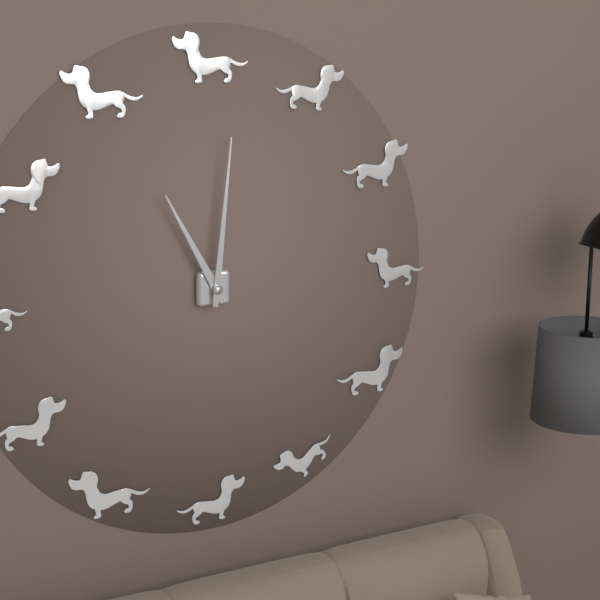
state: 11:01
